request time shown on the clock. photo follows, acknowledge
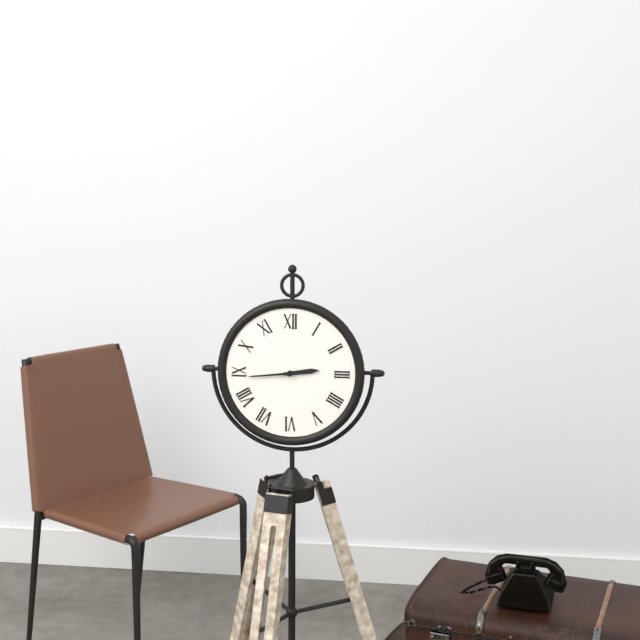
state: 2:44
